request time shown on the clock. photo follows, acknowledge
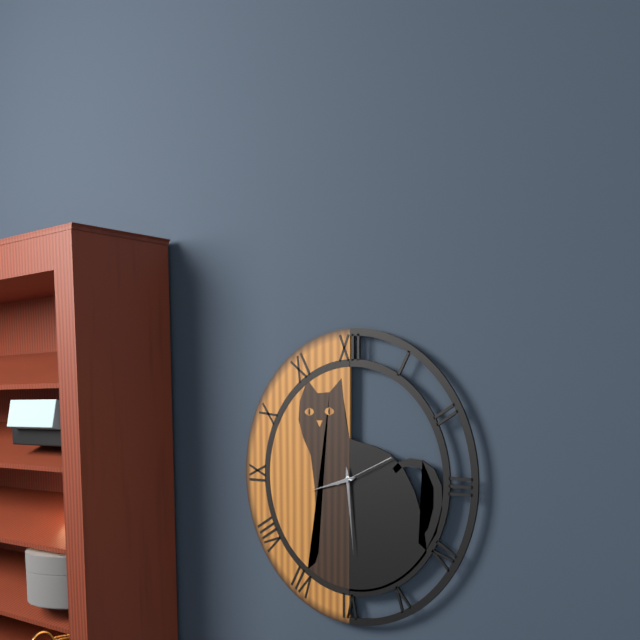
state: 8:29:11
